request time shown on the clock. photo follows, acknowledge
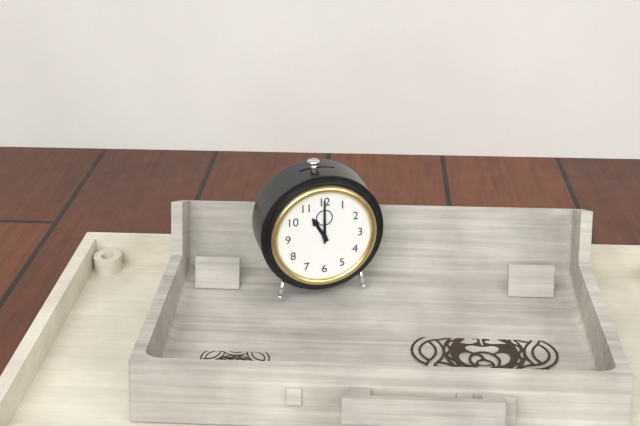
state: 11:00
